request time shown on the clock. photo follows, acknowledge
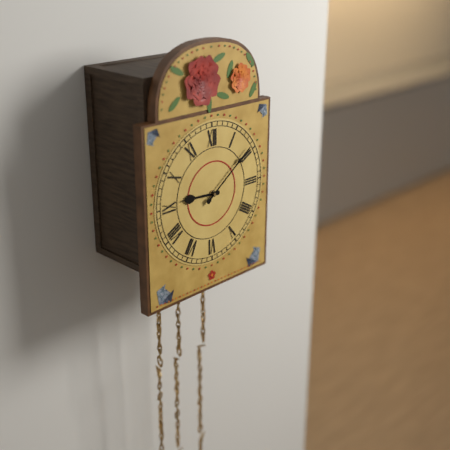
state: 9:09
